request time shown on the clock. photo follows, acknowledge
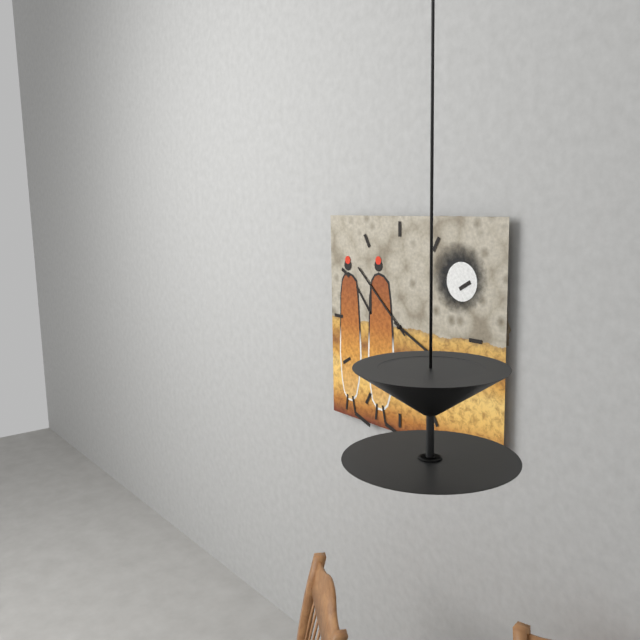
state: 3:52
